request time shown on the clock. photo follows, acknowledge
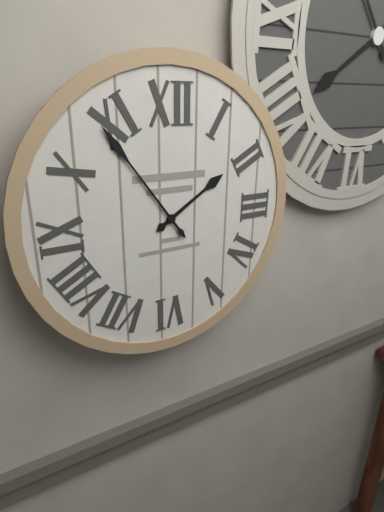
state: 1:54
